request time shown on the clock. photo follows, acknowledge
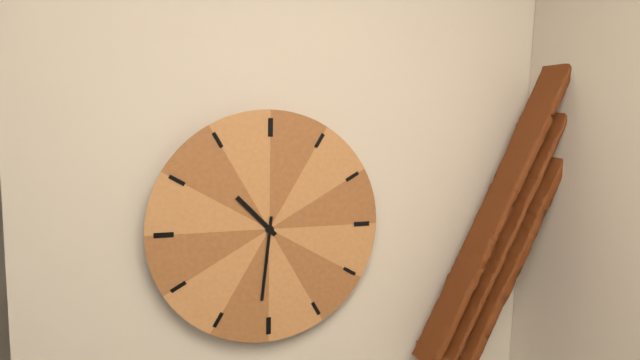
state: 10:31
